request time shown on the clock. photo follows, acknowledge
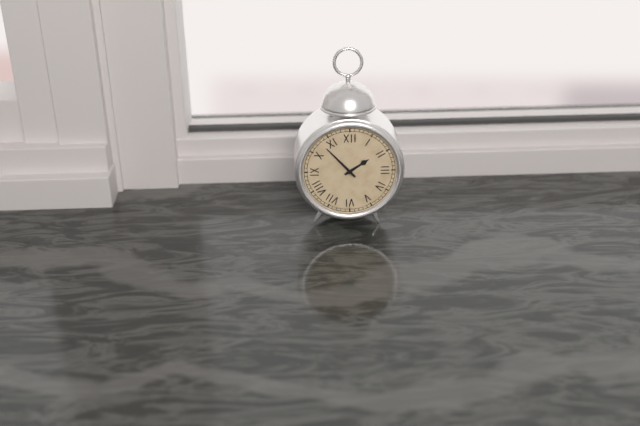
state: 1:53
